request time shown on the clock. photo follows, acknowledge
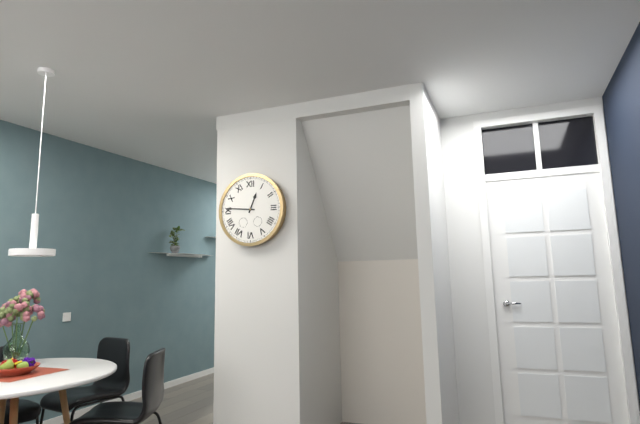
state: 12:46
